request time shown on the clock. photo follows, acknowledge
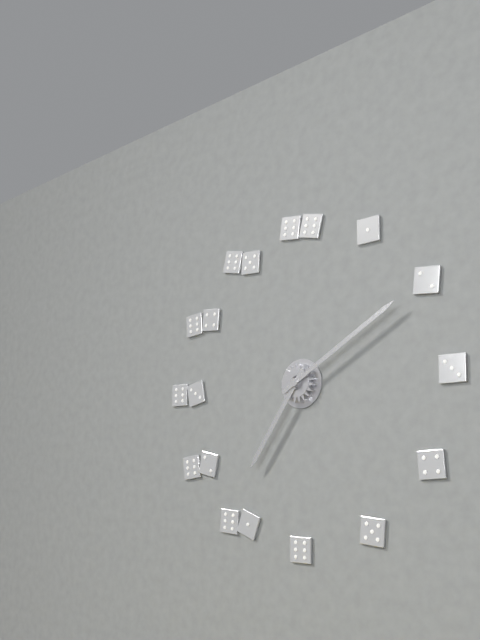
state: 7:10
